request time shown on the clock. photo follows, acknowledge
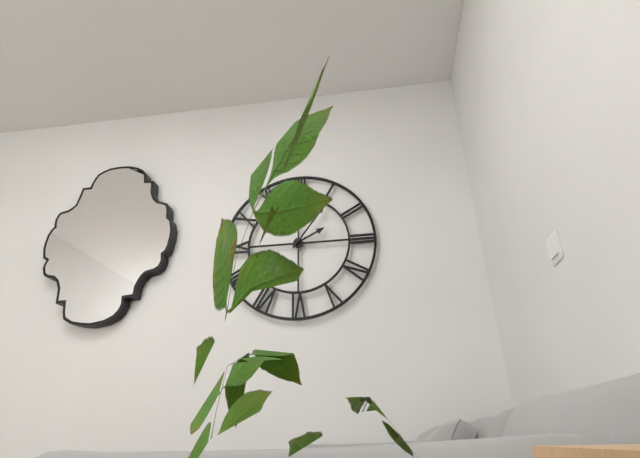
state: 2:06
